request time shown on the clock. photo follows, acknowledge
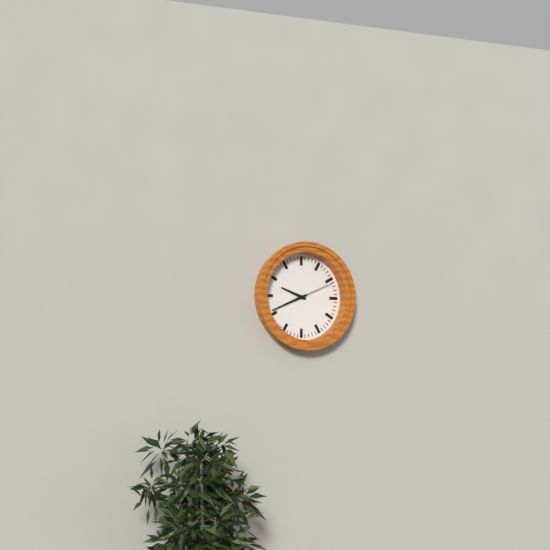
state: 9:41
